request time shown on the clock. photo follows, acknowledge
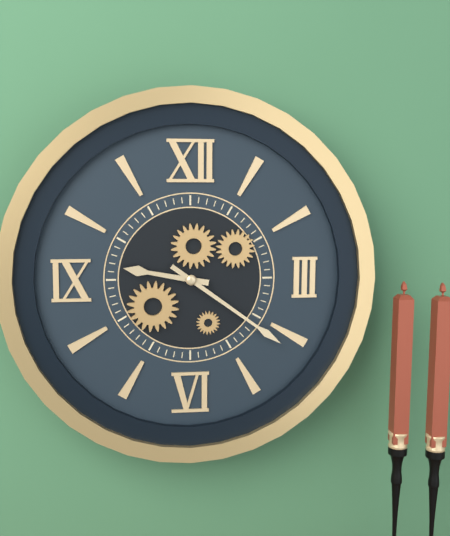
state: 9:21
